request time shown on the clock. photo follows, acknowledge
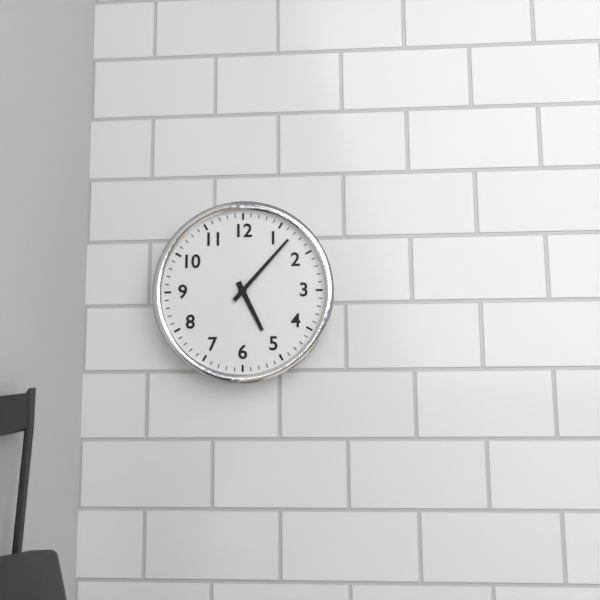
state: 5:07
